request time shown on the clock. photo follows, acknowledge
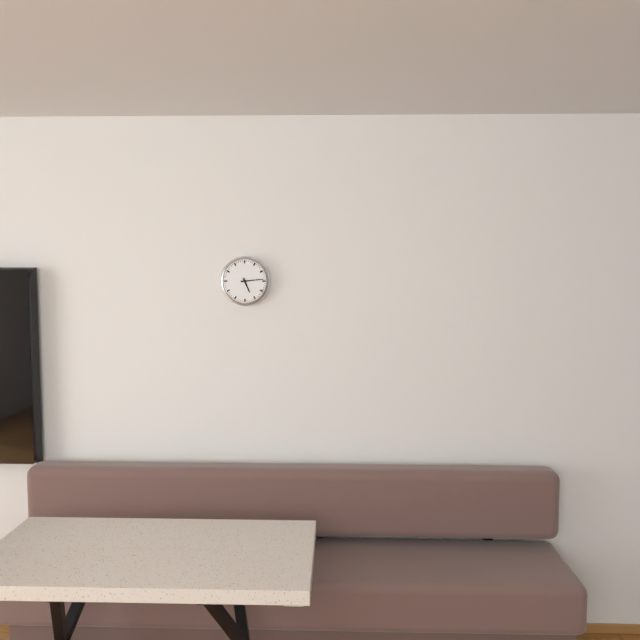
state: 5:14
